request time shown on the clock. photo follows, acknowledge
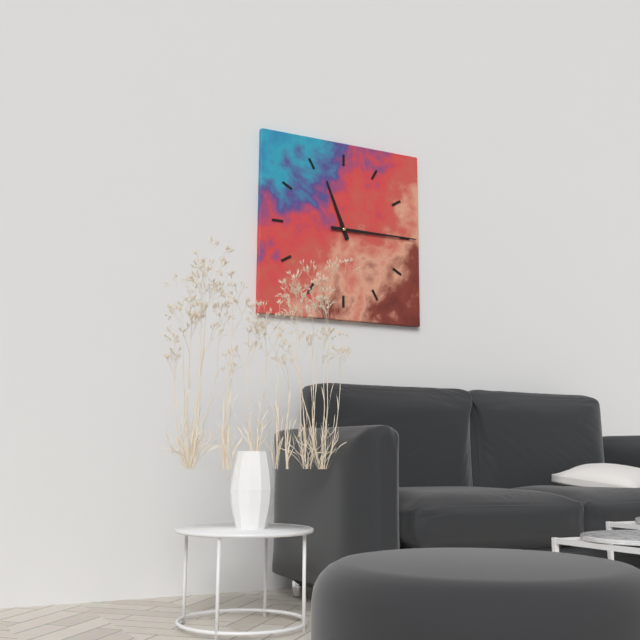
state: 11:15
